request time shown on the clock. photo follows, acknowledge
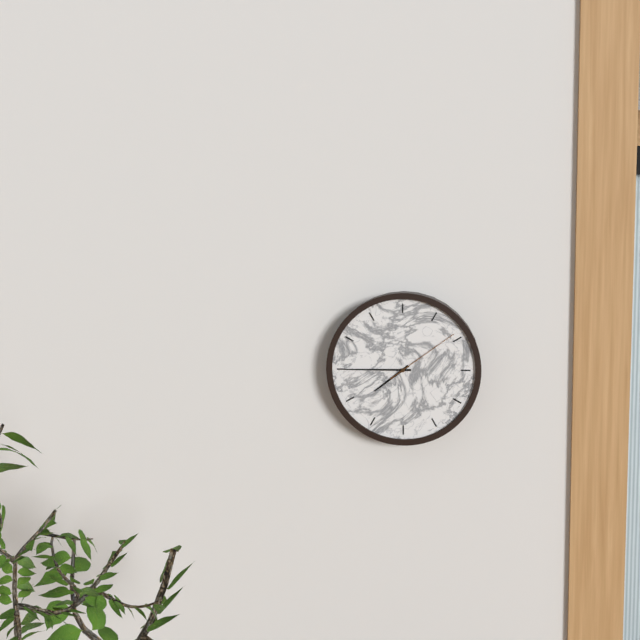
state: 7:45:09
